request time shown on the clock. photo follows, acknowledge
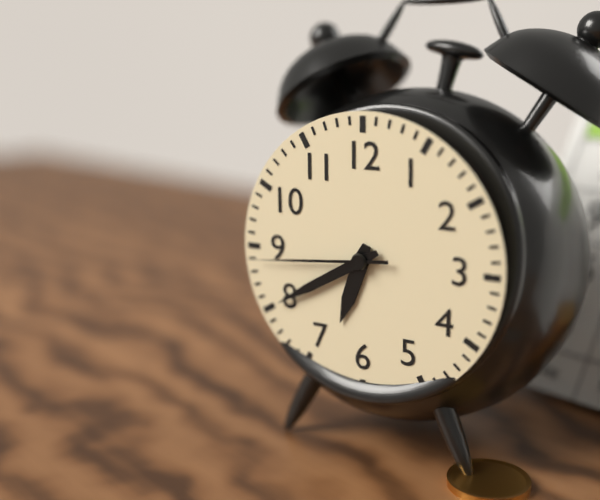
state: 6:40:44
